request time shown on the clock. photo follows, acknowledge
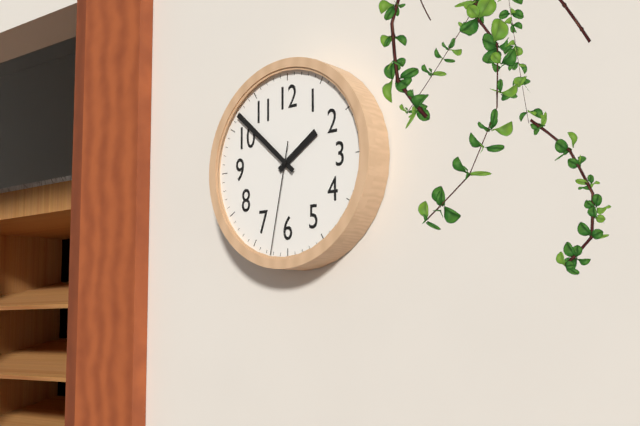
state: 1:52:32
